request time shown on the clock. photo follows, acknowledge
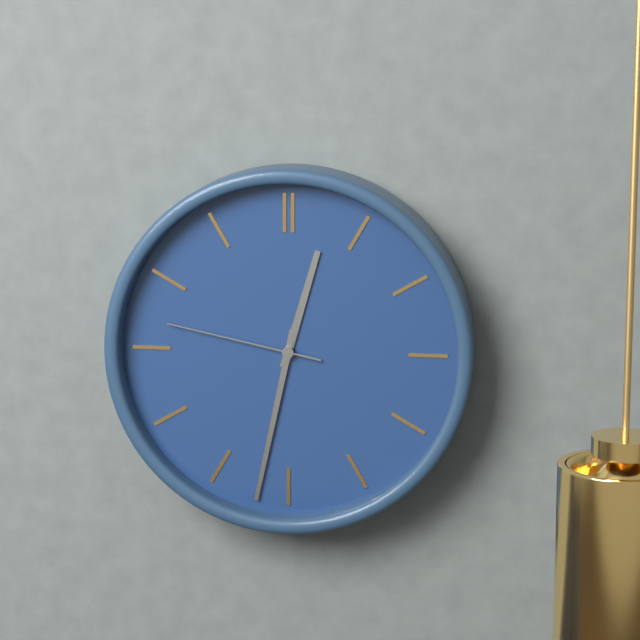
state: 12:32:47
